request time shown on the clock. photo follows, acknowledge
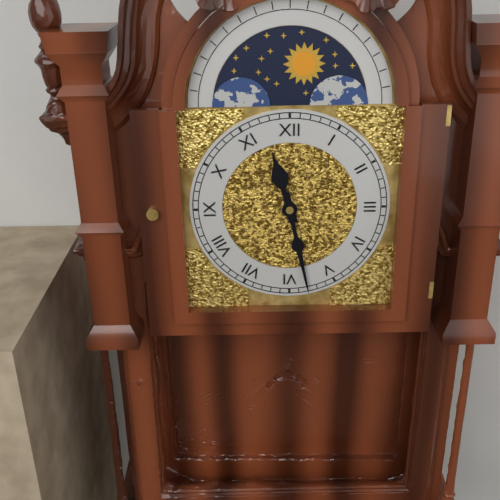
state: 11:28
